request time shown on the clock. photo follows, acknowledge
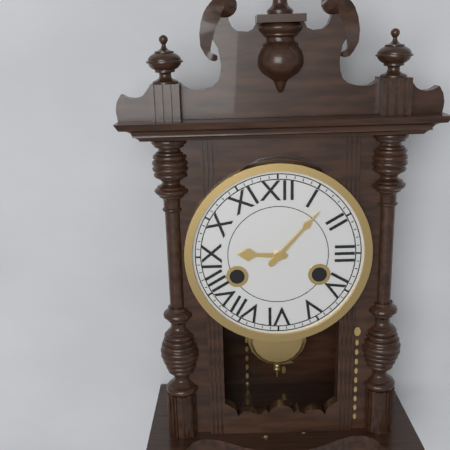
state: 9:07
